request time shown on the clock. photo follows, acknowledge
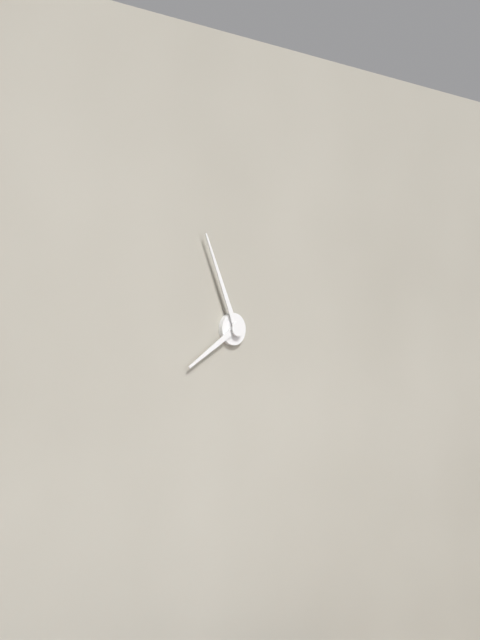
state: 7:56
